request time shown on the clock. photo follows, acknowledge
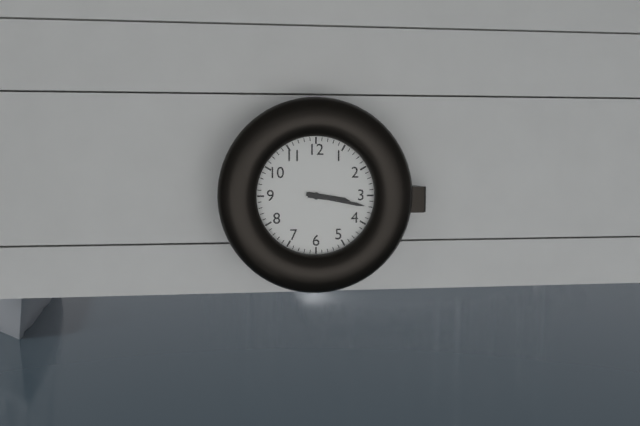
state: 3:17
